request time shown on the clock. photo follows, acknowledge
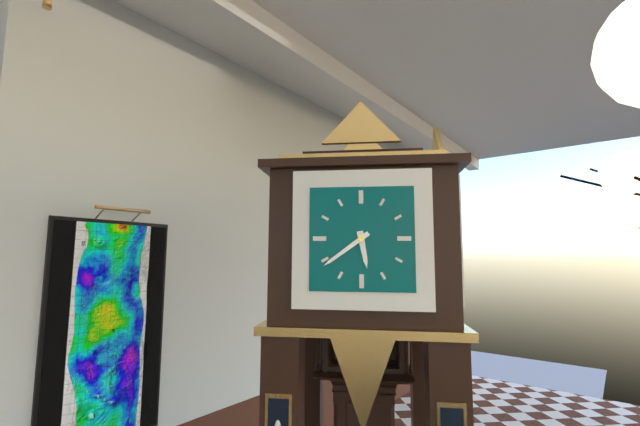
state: 5:39
